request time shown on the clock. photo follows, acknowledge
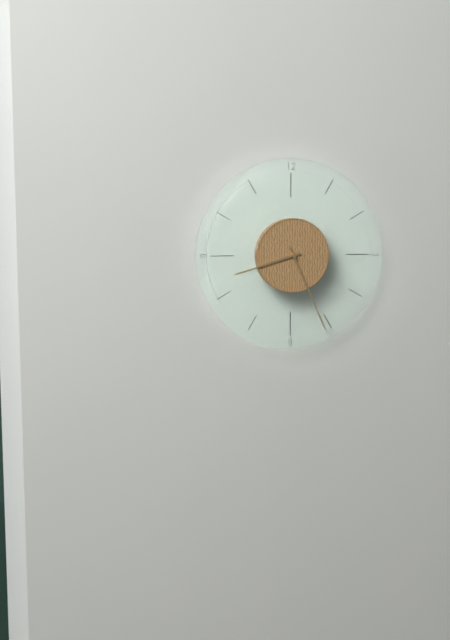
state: 8:26
